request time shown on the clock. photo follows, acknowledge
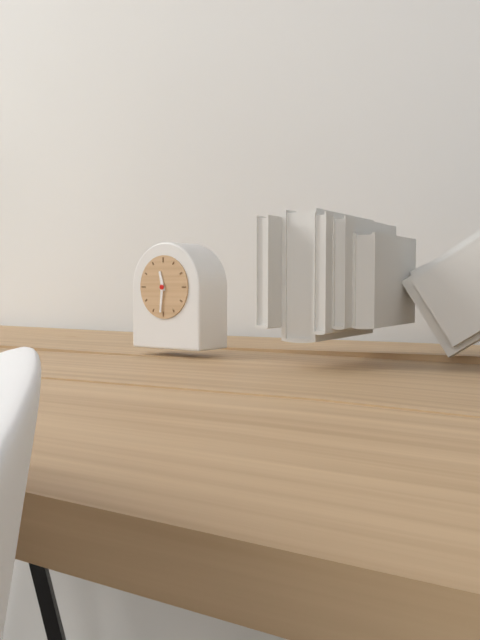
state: 11:31
